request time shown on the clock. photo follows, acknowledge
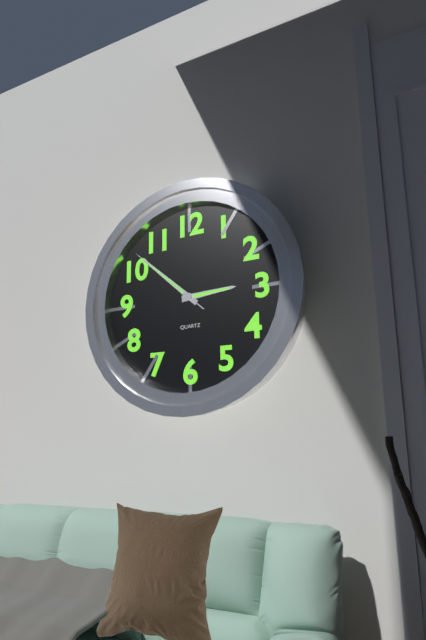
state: 2:52:52
